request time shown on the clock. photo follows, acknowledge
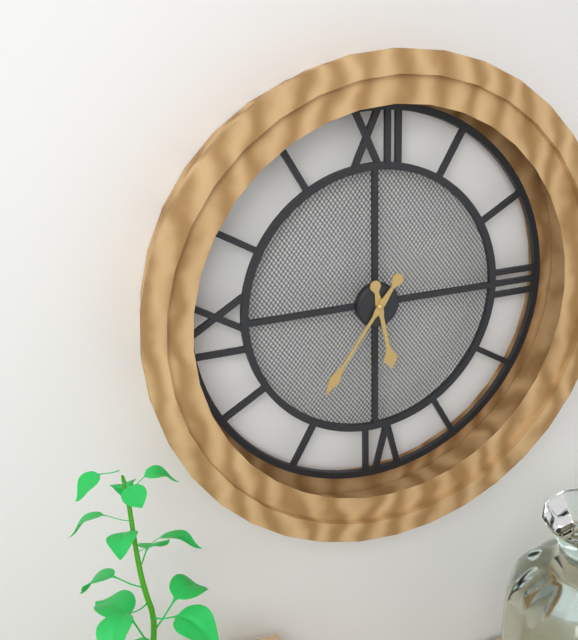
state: 5:36
